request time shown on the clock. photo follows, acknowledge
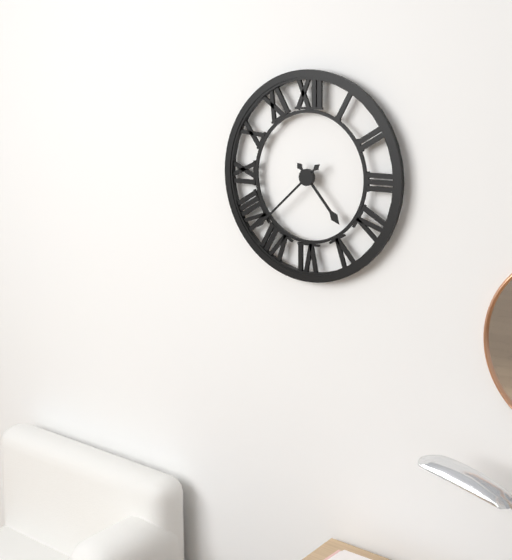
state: 4:38
